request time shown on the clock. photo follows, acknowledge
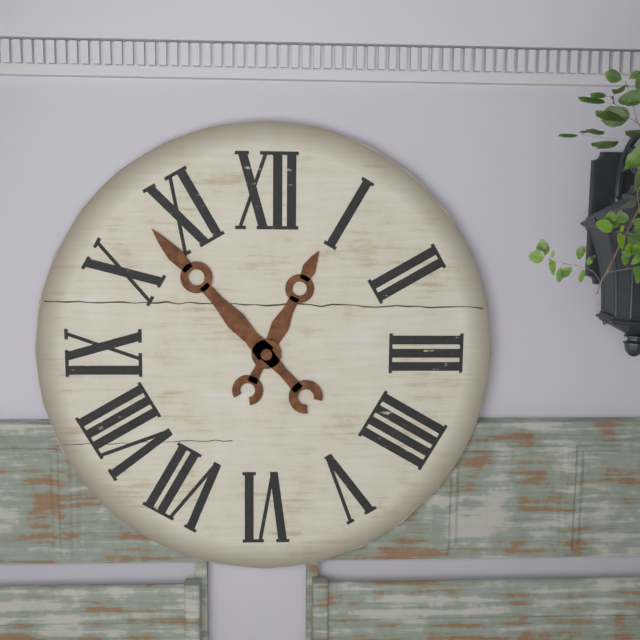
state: 12:53
